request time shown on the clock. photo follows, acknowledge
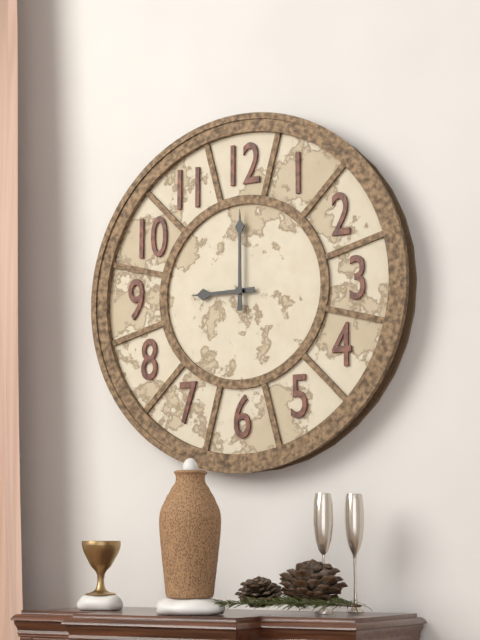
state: 9:00
